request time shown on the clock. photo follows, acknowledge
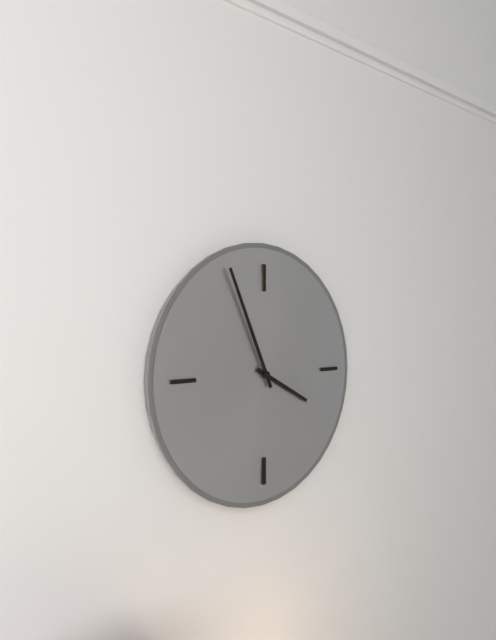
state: 3:56
